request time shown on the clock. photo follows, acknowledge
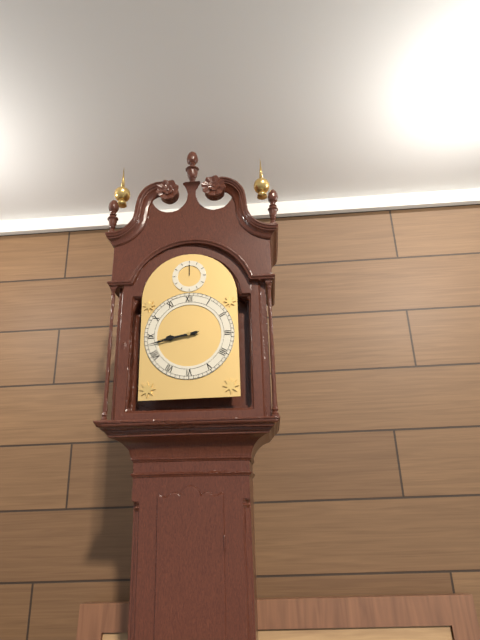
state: 8:43
